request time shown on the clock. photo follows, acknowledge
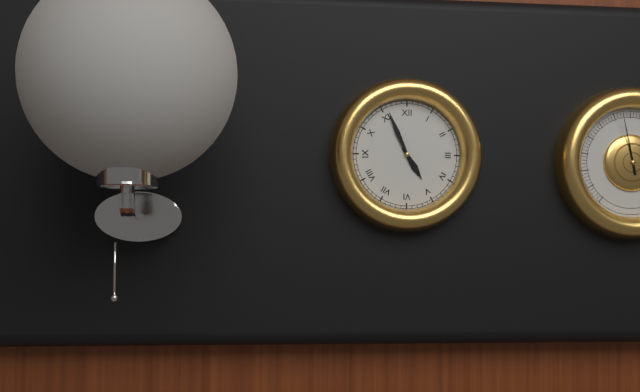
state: 4:56
